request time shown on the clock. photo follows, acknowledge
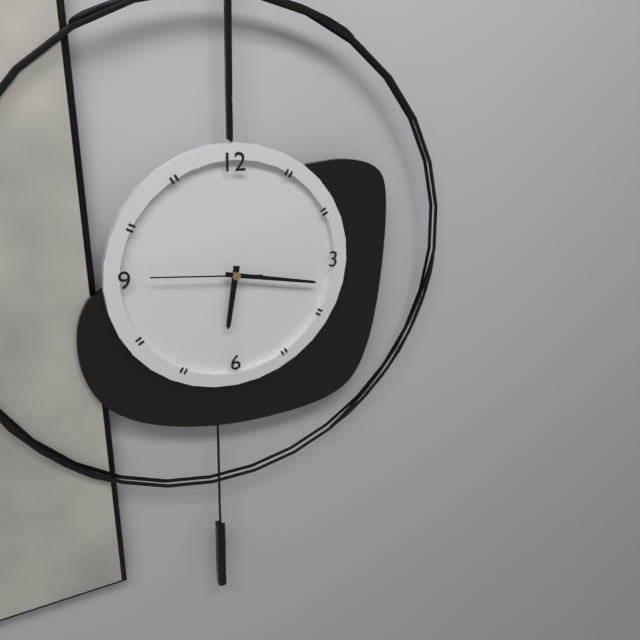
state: 6:17:46
